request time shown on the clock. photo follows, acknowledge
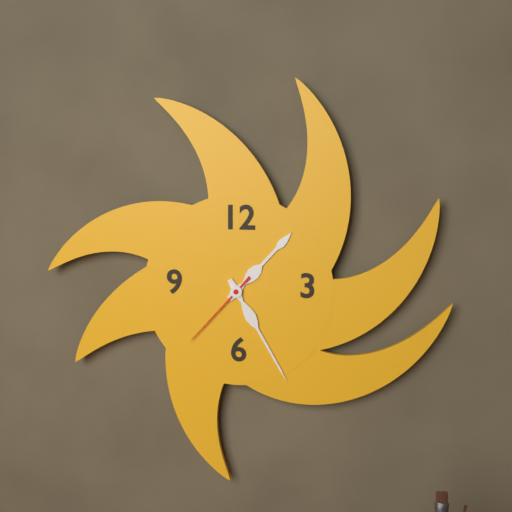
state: 1:25:37
